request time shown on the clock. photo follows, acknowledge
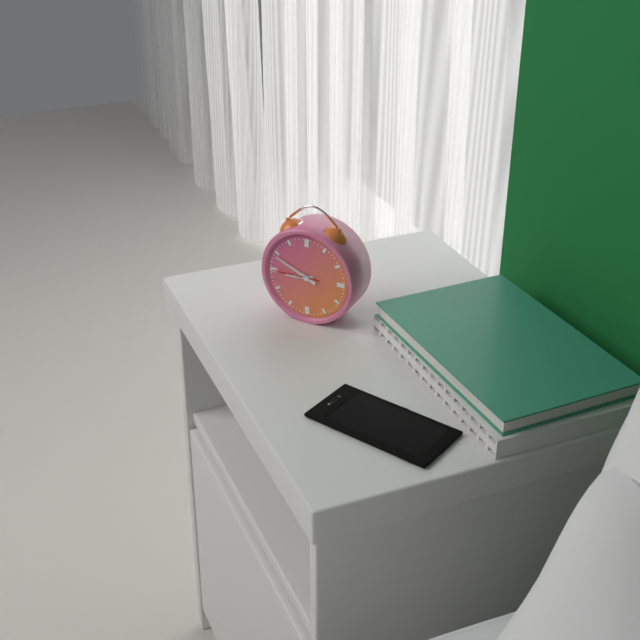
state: 8:49:45
